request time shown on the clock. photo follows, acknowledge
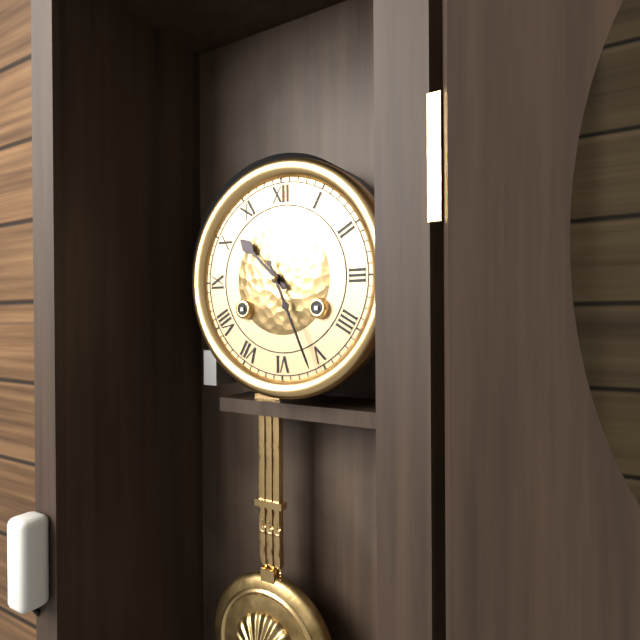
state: 10:26
